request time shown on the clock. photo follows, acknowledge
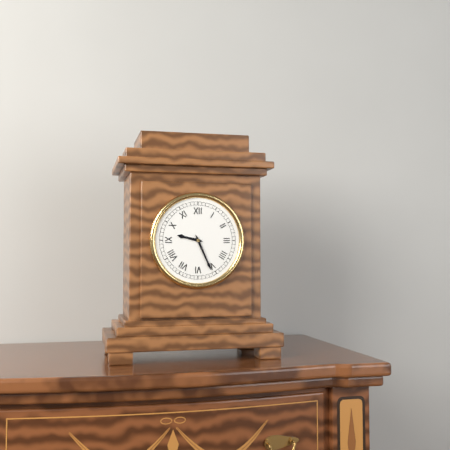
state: 9:26
